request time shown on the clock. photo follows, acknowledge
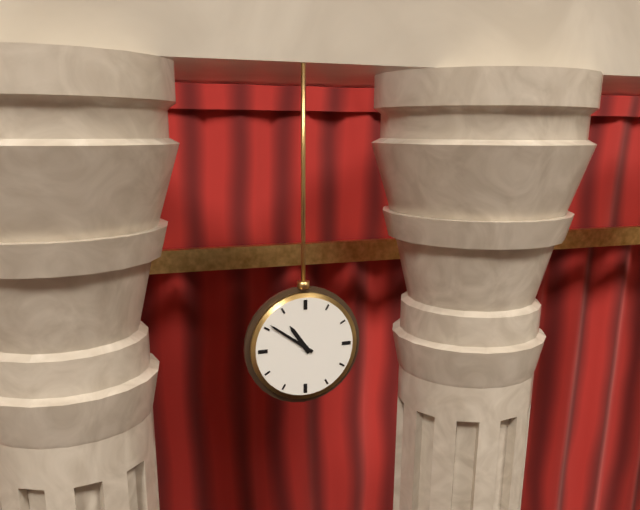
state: 10:51
